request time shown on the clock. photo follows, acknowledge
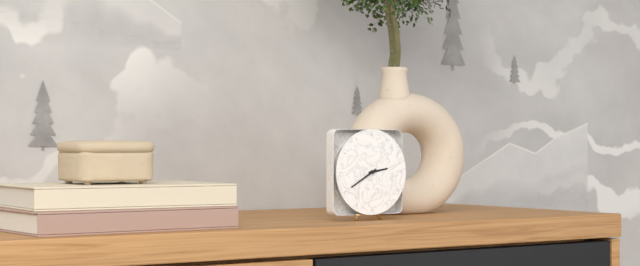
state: 2:40
